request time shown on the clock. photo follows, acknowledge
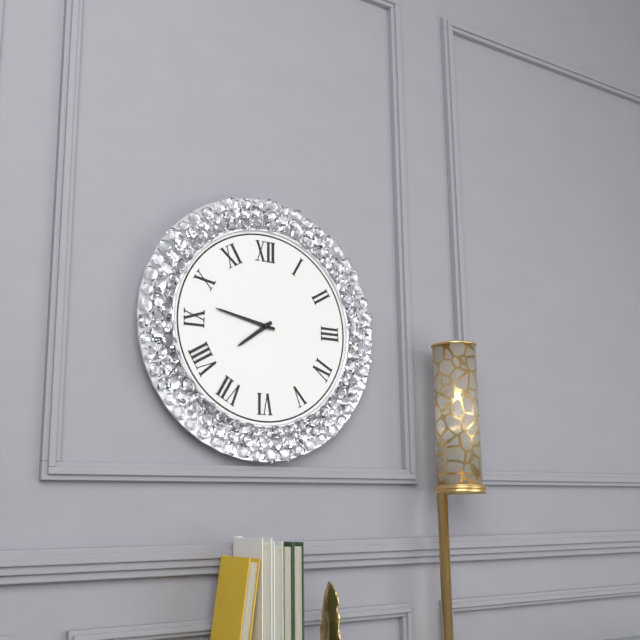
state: 7:47
